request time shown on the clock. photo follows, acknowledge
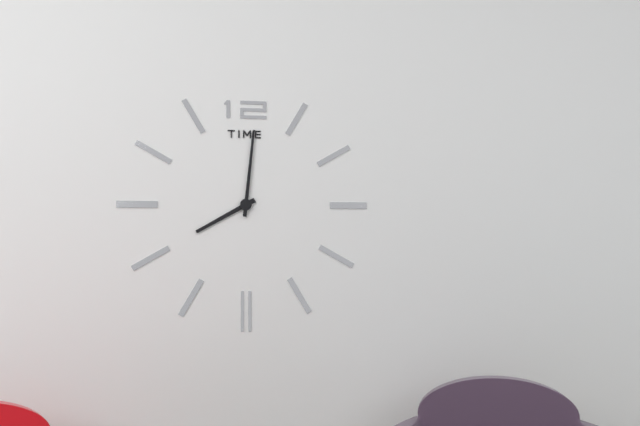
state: 8:01
